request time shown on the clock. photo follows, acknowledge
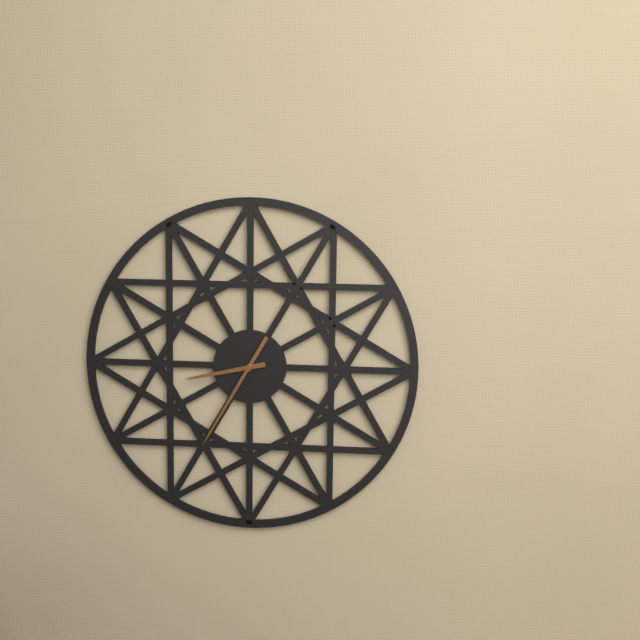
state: 8:35
